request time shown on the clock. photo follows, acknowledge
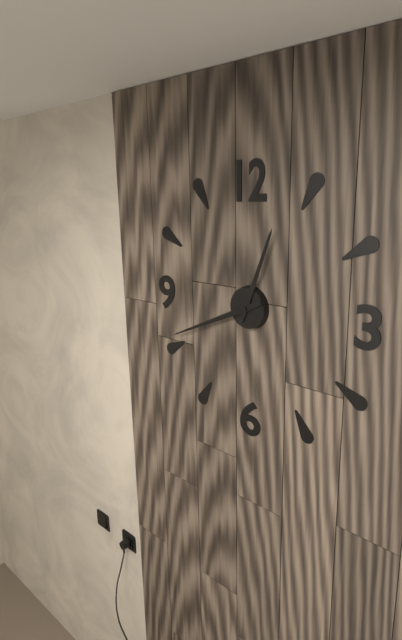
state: 12:41
